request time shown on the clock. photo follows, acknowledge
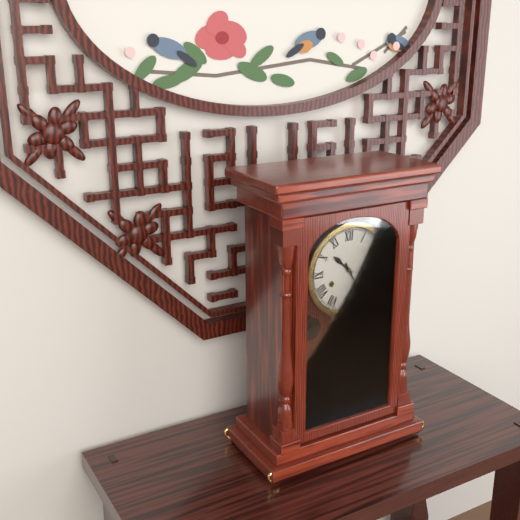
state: 10:25
